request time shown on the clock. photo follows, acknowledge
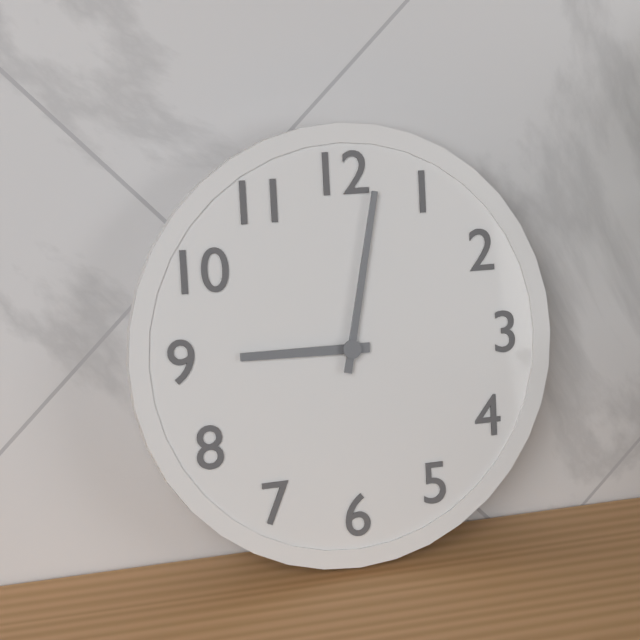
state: 9:02
